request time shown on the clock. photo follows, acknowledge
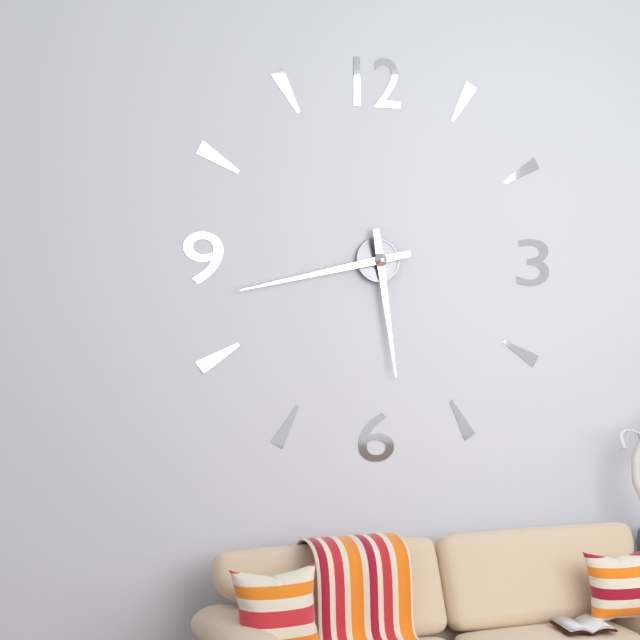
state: 5:43
